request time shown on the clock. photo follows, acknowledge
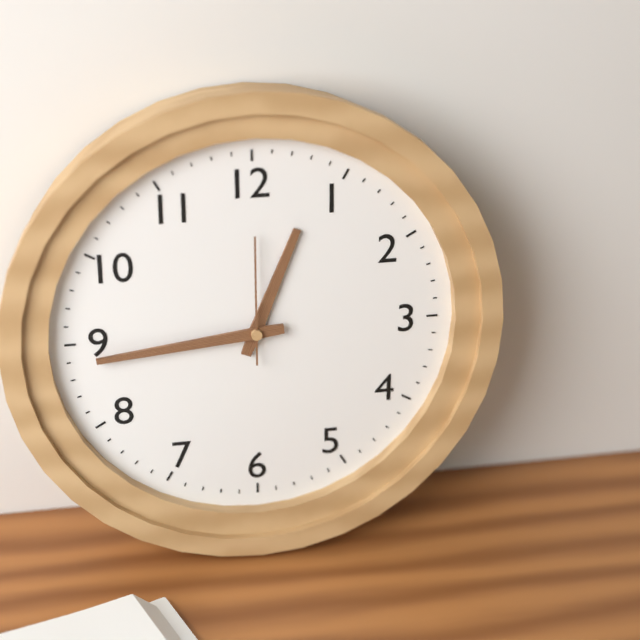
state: 12:44:00
